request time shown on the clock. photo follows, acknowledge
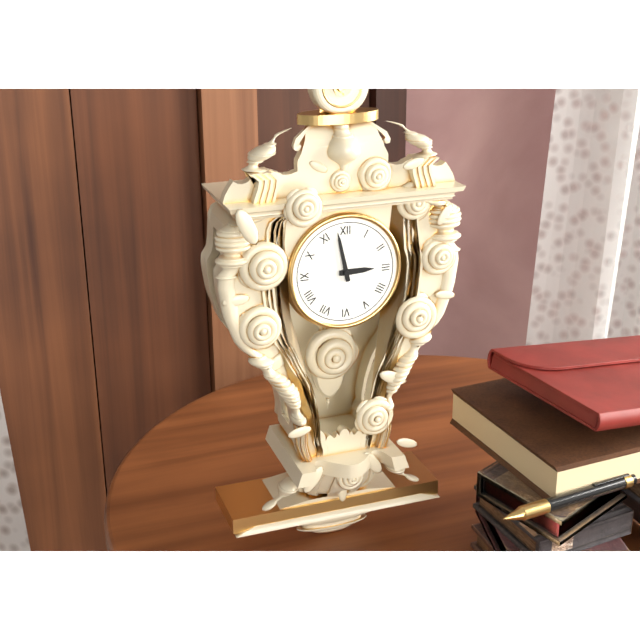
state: 2:58
